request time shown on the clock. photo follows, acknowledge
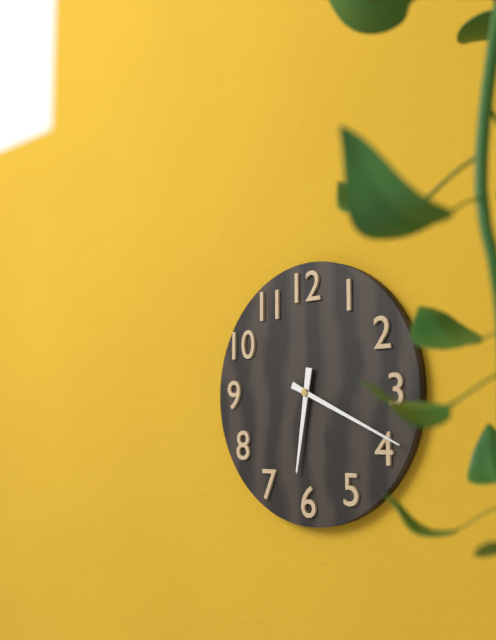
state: 6:19
